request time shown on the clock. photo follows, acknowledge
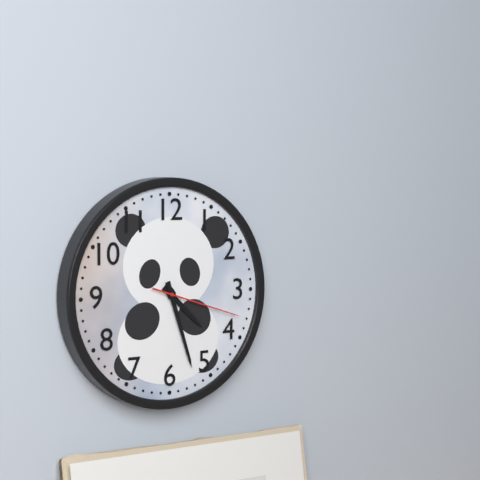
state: 4:27:18
